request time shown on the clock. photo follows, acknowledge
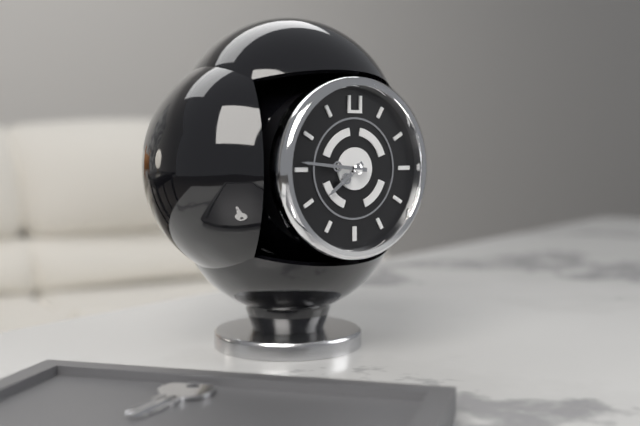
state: 7:46
